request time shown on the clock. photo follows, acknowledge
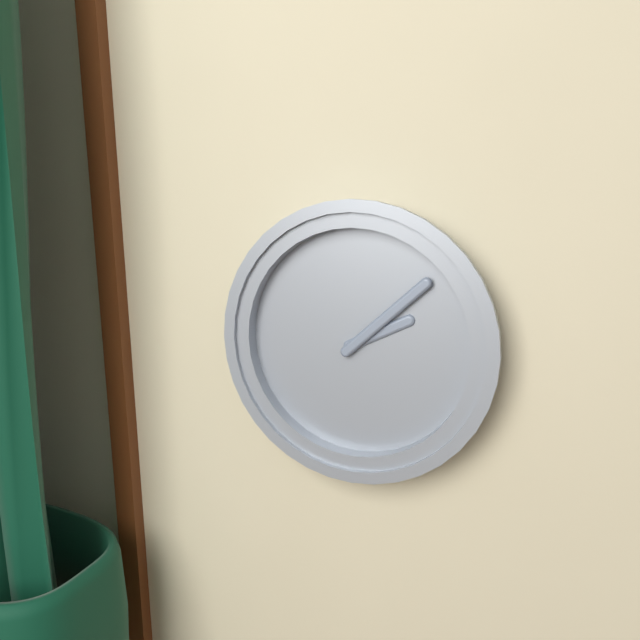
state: 2:08
